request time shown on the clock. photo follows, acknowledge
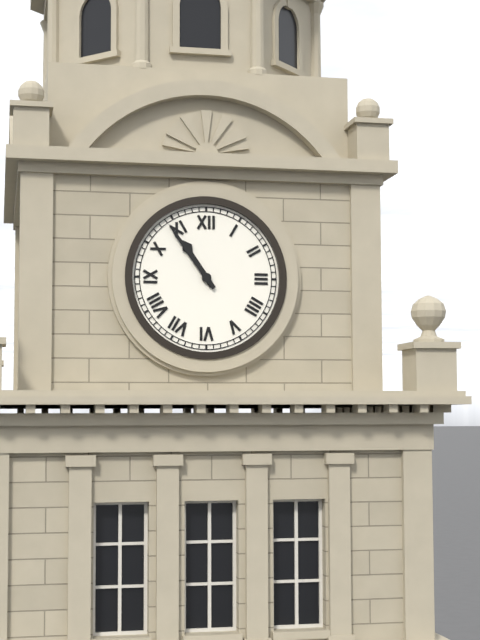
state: 10:54
